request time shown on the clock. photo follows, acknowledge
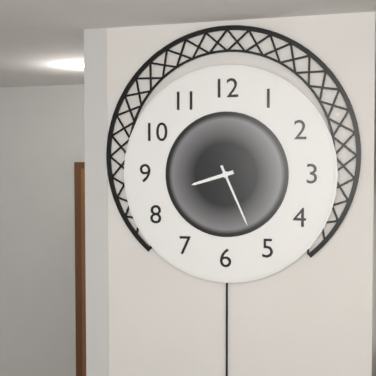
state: 8:26
